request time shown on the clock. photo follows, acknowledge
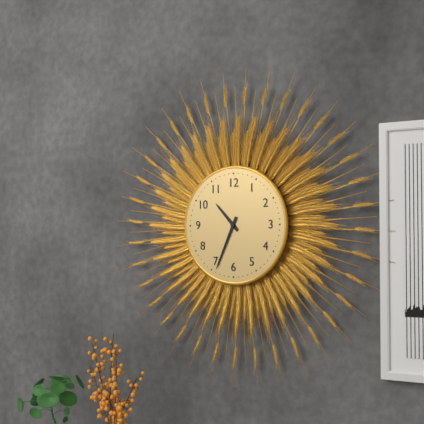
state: 10:34
